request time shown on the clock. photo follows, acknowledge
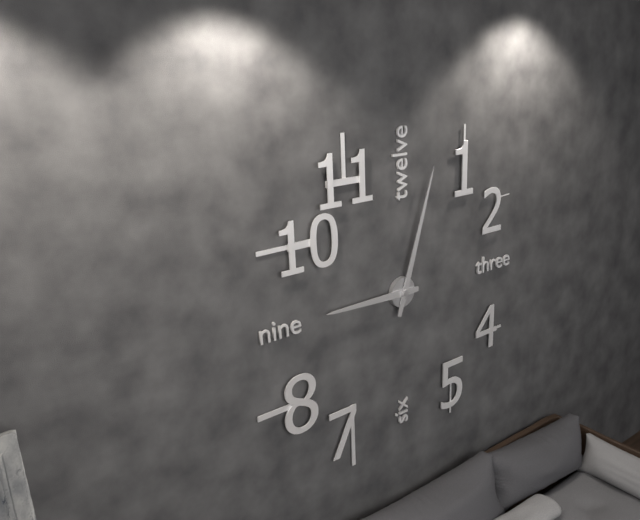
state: 9:03
